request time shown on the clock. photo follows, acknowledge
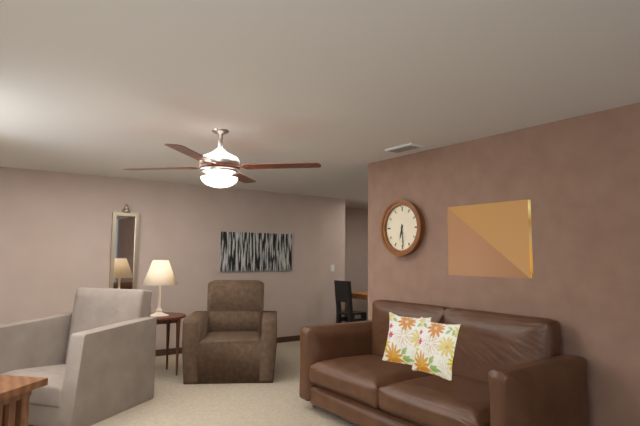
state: 6:29
